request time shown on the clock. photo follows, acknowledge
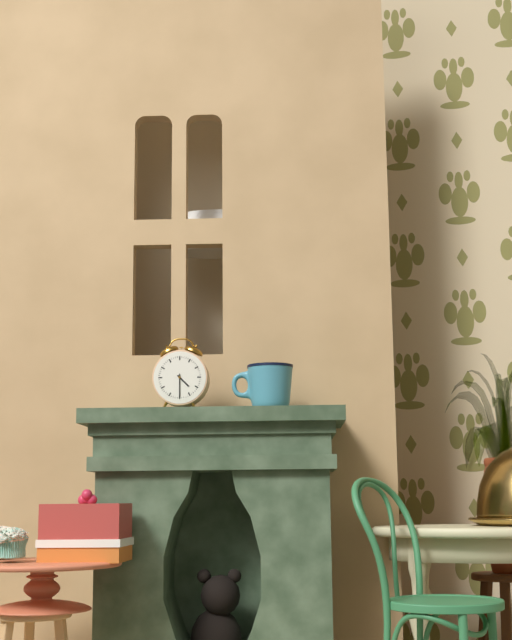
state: 4:30
